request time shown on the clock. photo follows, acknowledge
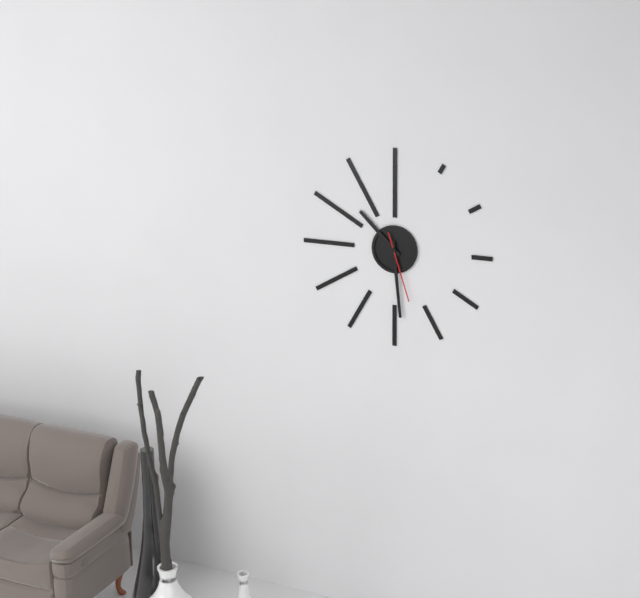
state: 10:29:27
